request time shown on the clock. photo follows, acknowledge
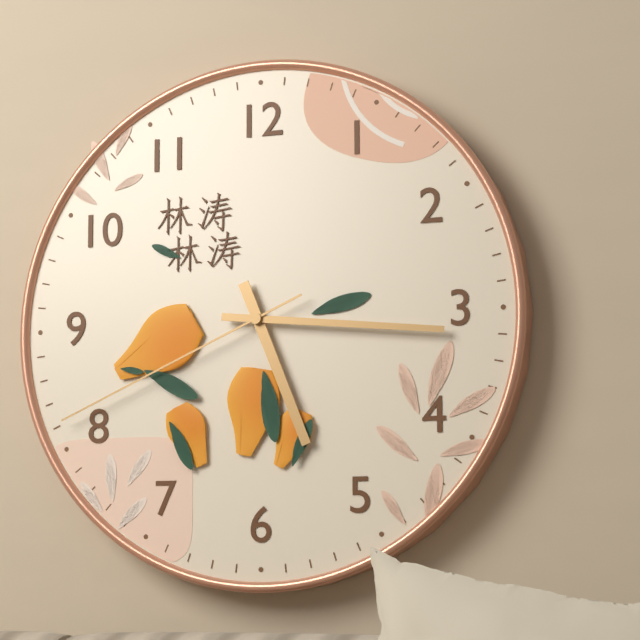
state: 5:16:41
